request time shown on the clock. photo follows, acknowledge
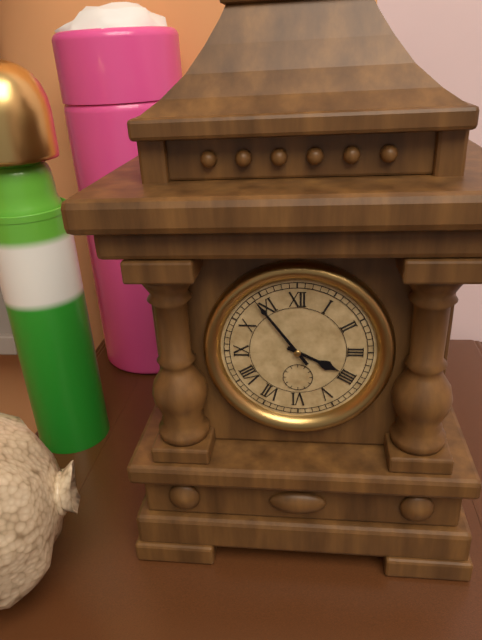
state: 3:54
